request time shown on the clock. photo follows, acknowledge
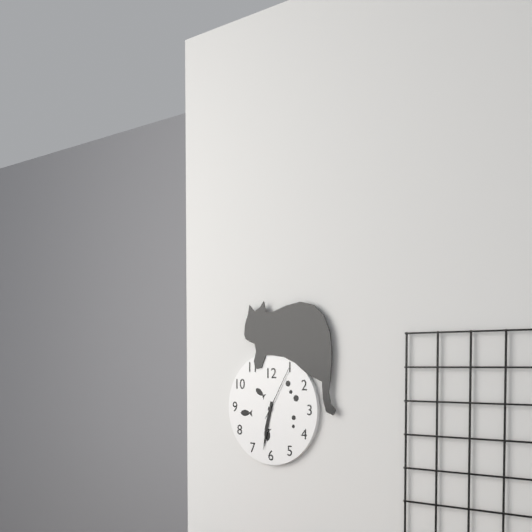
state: 6:32:05
